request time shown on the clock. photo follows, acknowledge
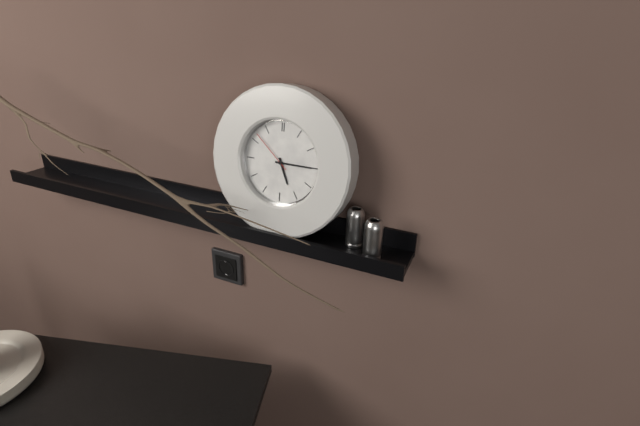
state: 5:15
